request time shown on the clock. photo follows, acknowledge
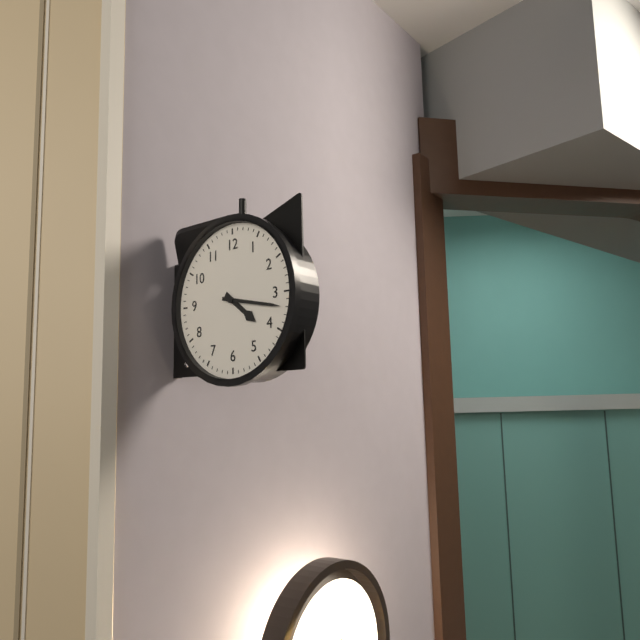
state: 4:17
